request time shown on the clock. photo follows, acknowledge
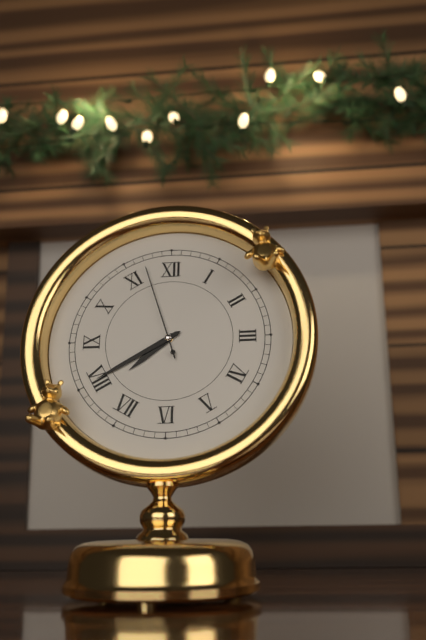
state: 7:40:57
